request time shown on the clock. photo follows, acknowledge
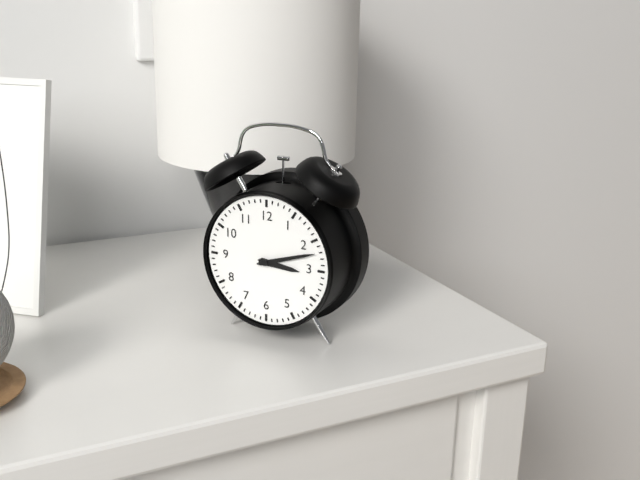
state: 3:12
